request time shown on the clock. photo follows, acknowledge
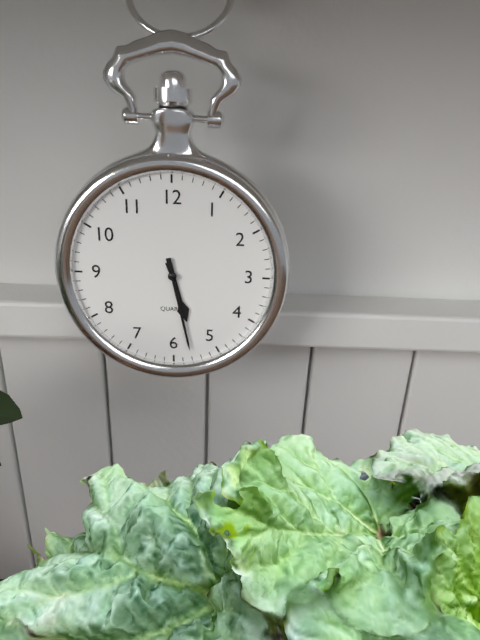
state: 5:28
